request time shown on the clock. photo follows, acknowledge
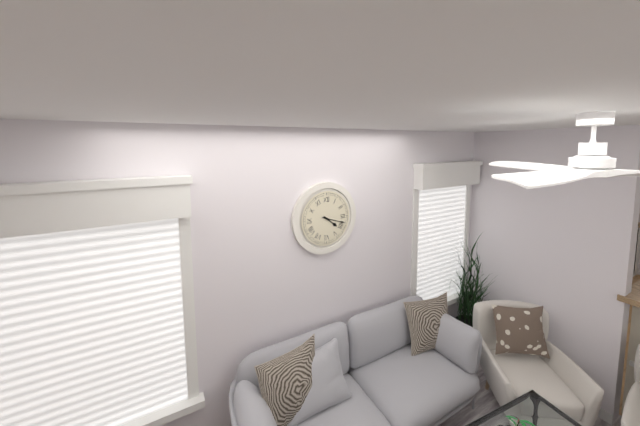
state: 4:18
